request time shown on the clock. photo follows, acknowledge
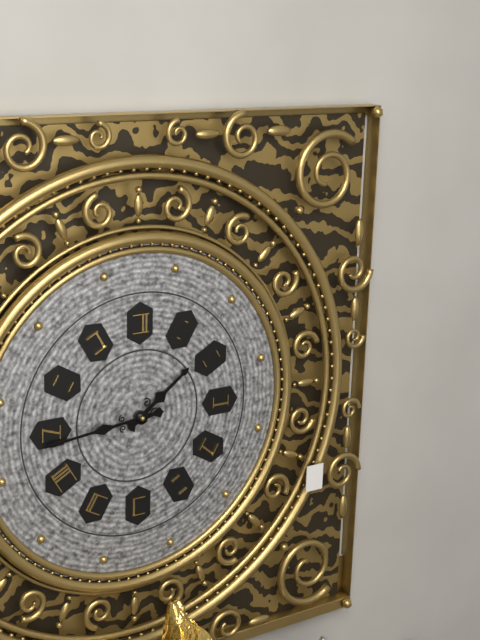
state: 1:44
